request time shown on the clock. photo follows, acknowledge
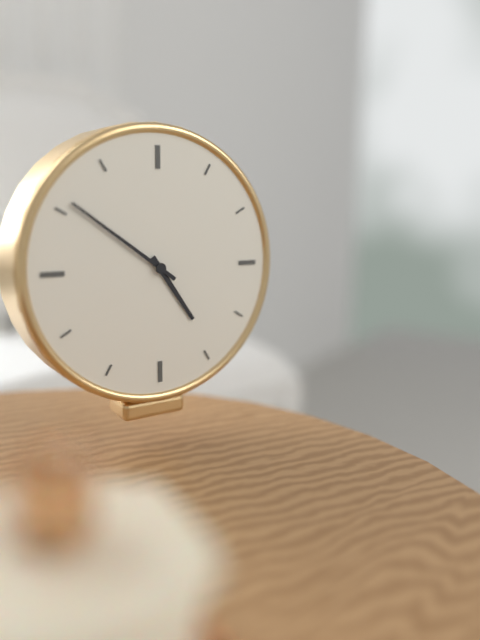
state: 4:51
